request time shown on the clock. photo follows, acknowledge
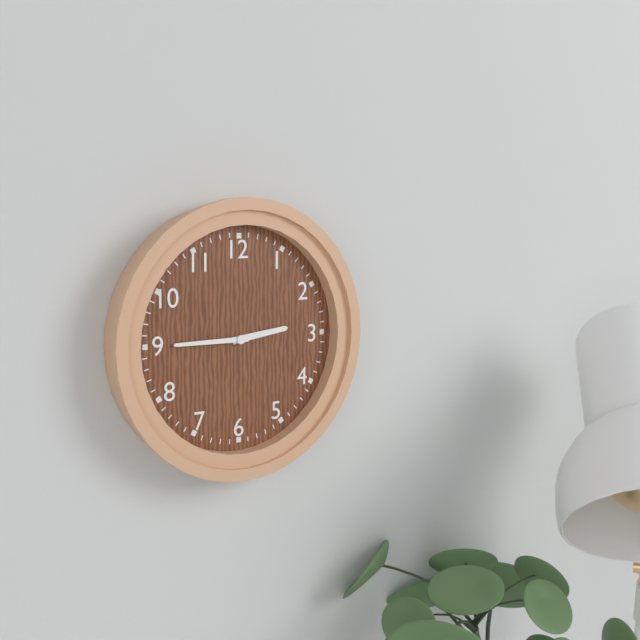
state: 2:45
